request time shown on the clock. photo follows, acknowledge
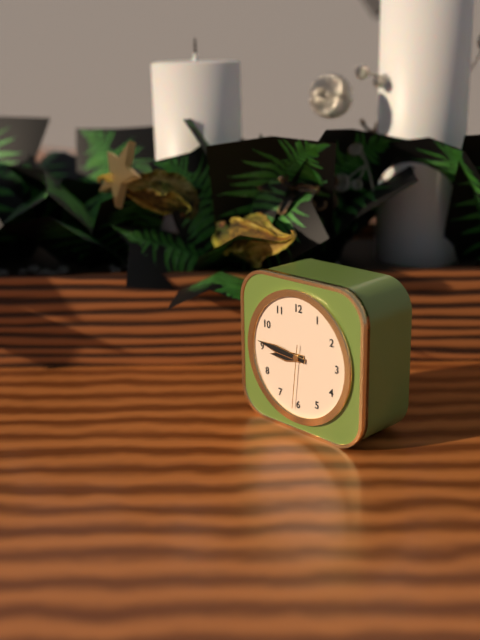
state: 8:46:31
